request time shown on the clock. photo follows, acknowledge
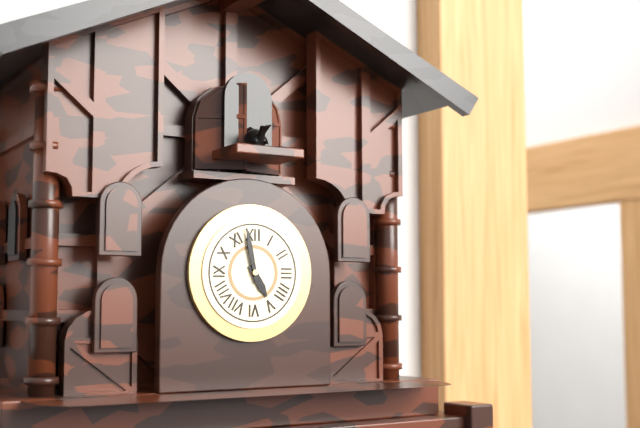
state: 4:58
